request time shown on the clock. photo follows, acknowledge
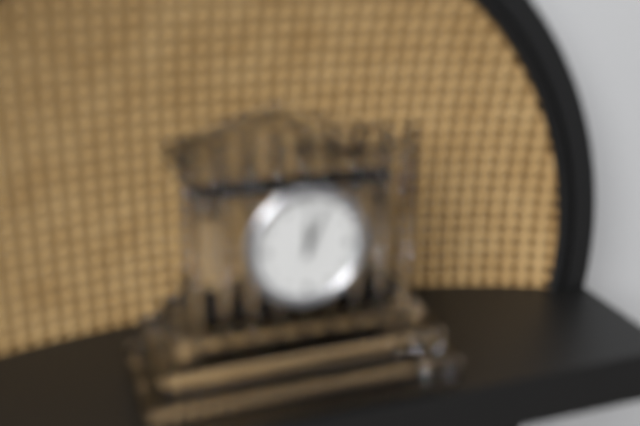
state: 12:04
